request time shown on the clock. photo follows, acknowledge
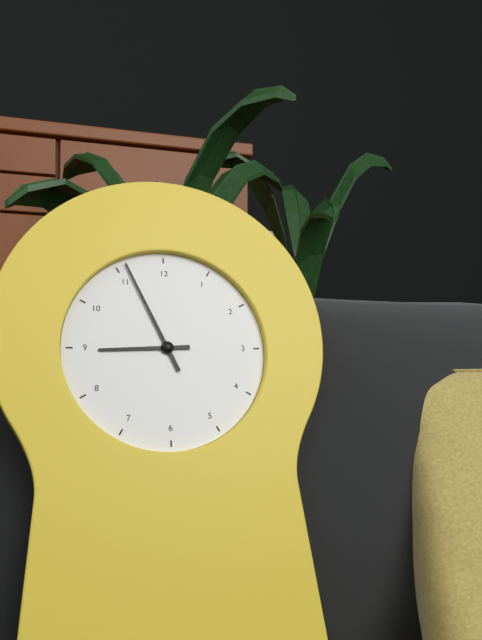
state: 8:56
